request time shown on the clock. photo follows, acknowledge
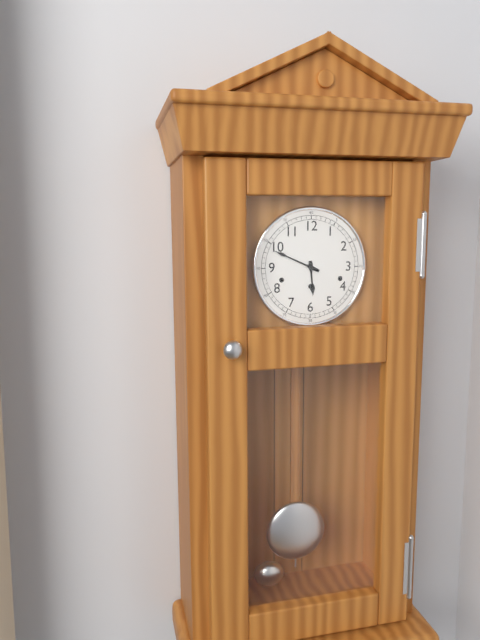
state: 5:49
